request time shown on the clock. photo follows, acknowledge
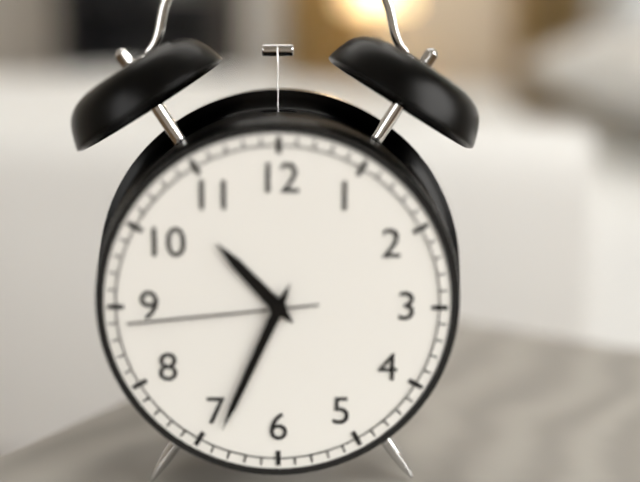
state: 10:34:44
